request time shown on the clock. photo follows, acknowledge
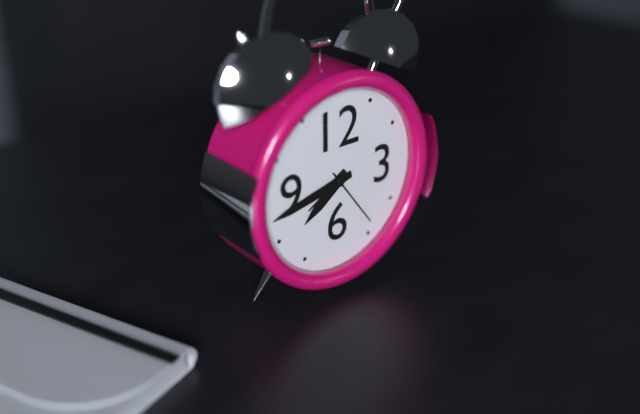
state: 7:43:24
